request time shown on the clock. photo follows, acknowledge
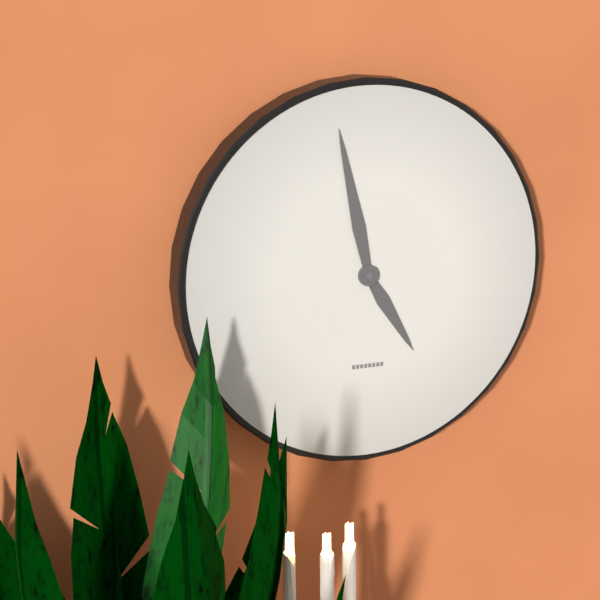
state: 4:58
